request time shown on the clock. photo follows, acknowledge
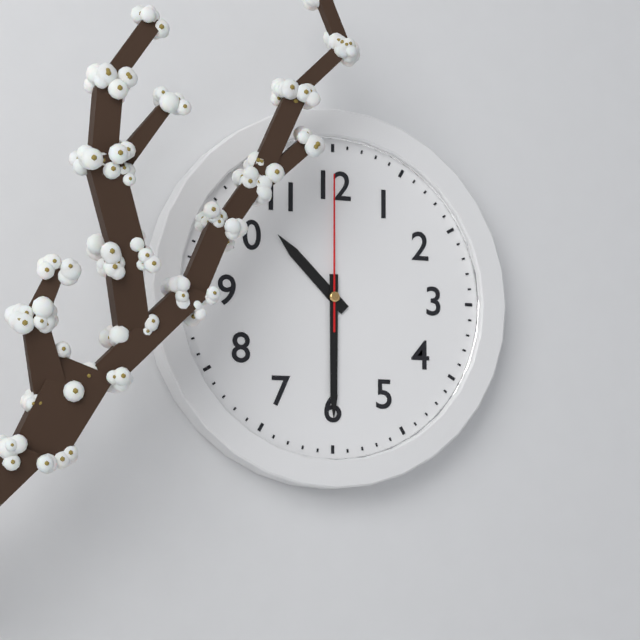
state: 10:30:00
